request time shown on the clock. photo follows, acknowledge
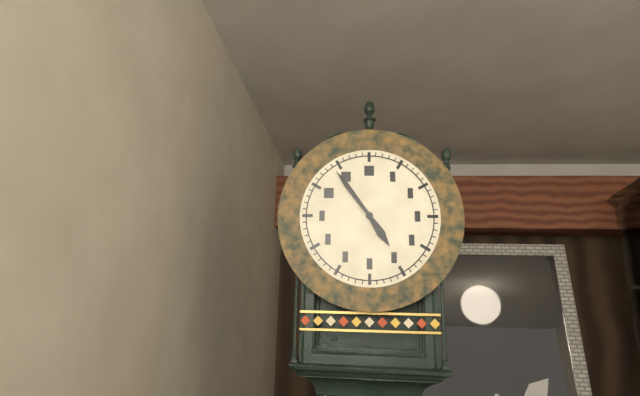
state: 4:54
